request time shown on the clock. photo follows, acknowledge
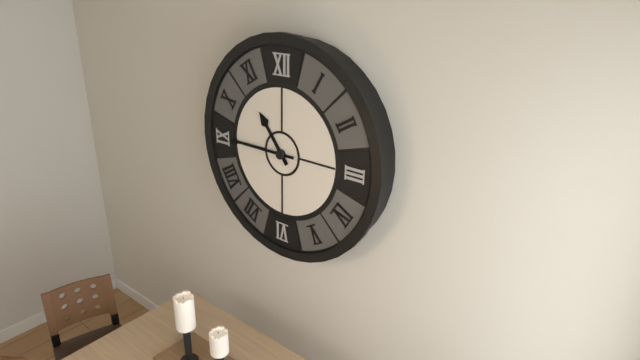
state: 10:45
